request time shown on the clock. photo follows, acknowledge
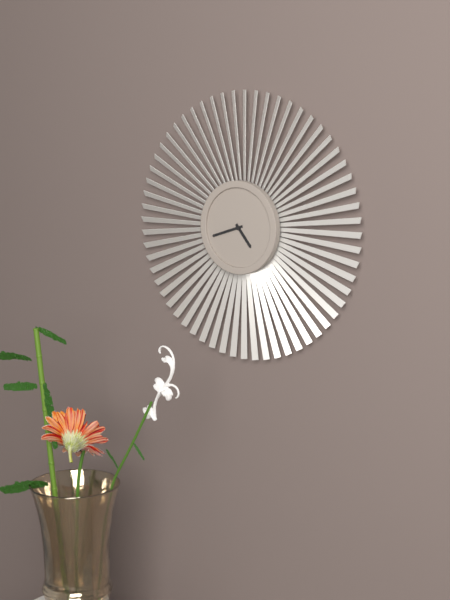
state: 4:42
